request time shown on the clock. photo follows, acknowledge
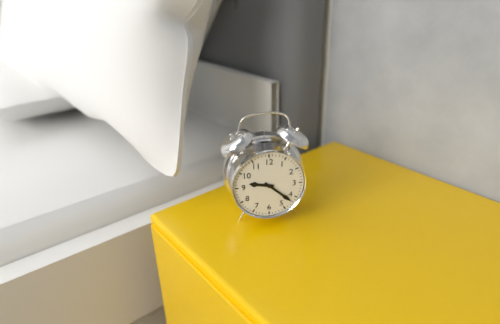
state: 9:22
